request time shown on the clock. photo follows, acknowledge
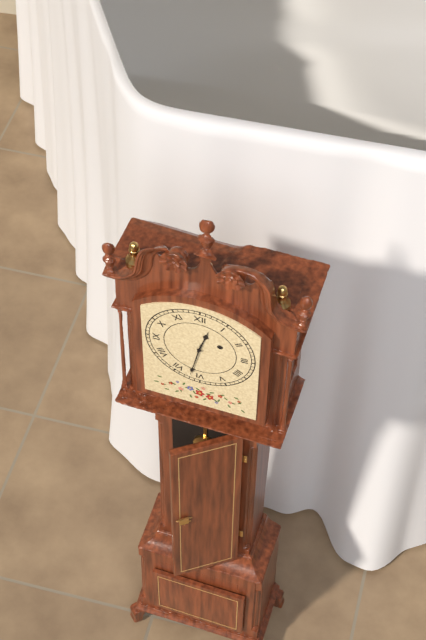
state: 12:32
